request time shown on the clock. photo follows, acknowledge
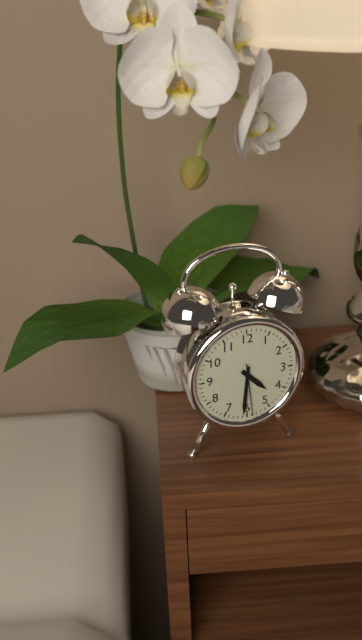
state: 4:31:29
